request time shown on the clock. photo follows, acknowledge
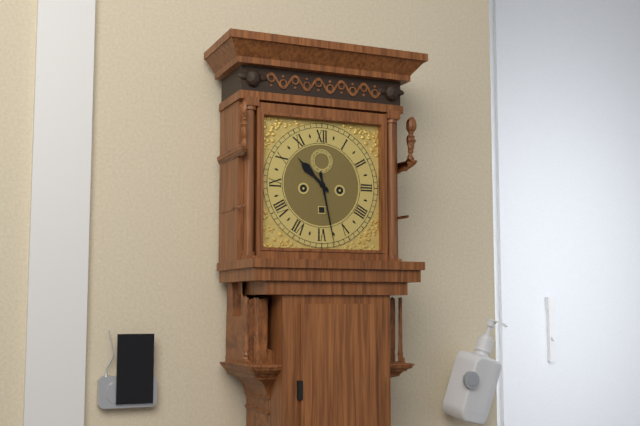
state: 10:28
